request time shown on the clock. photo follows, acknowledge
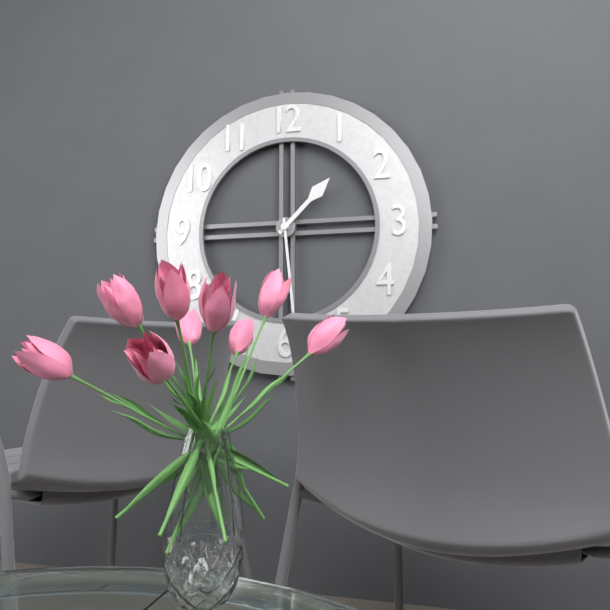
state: 1:29
